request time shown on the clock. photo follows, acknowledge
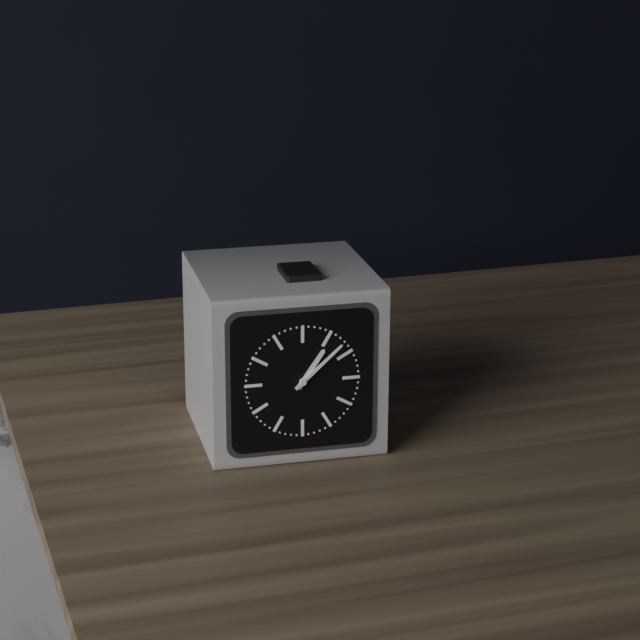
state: 1:08
